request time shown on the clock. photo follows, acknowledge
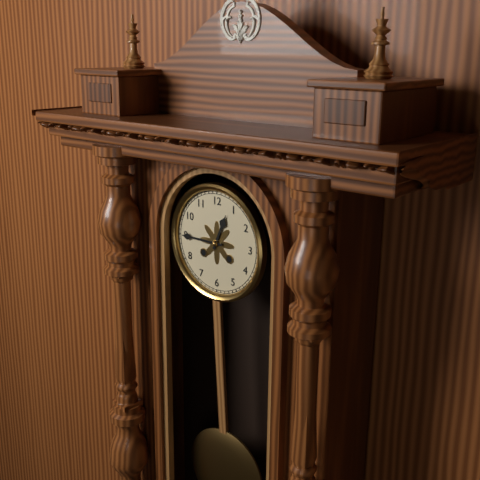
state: 12:45
